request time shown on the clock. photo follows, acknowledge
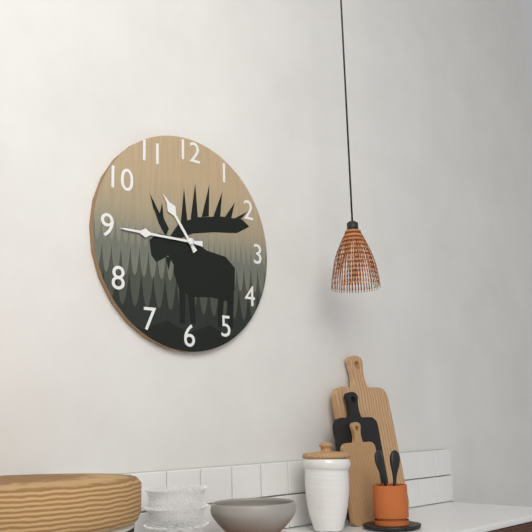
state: 10:45
